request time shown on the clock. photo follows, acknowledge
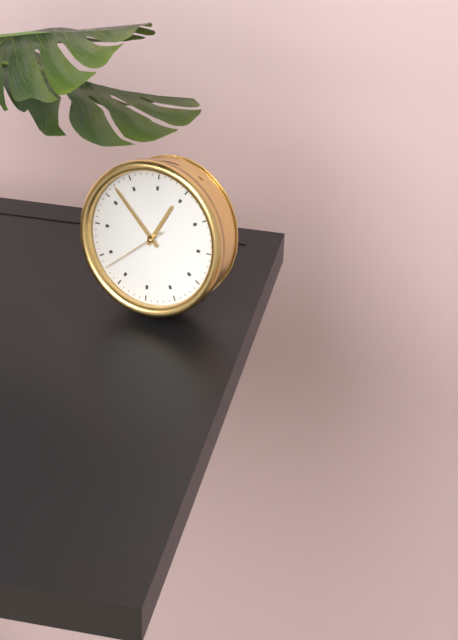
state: 12:52:38
